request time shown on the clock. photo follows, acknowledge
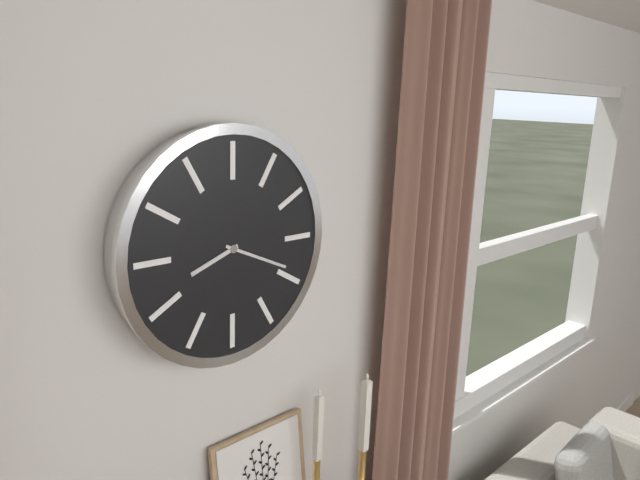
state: 8:19
